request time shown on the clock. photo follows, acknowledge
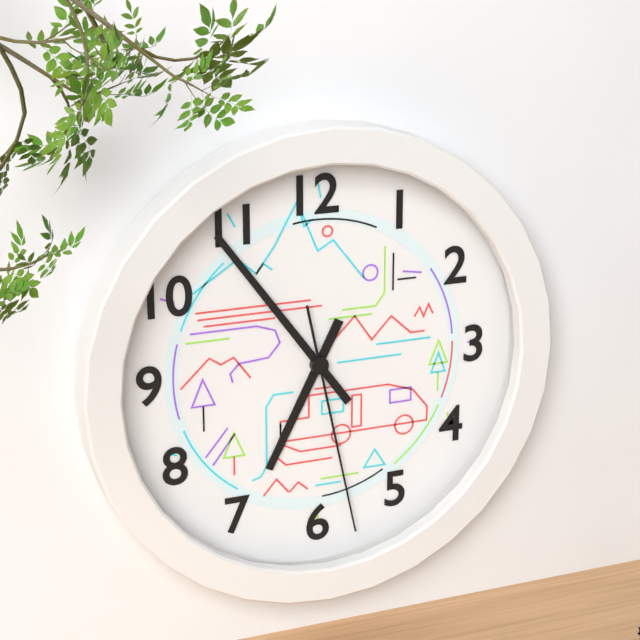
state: 6:54:28
